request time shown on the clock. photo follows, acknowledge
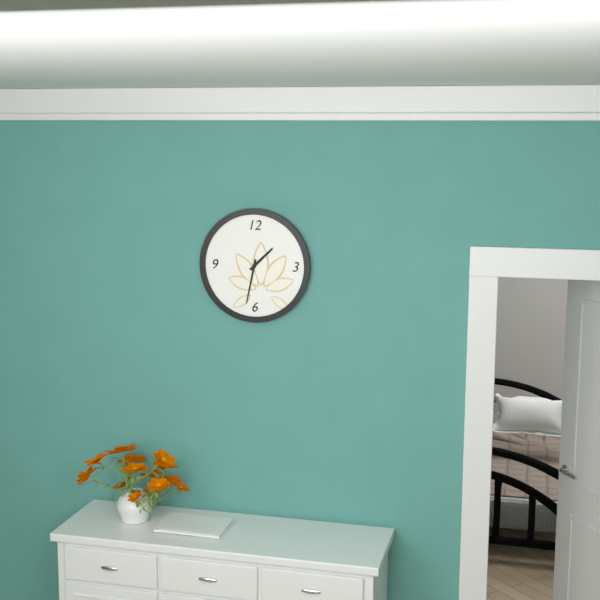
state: 1:32
